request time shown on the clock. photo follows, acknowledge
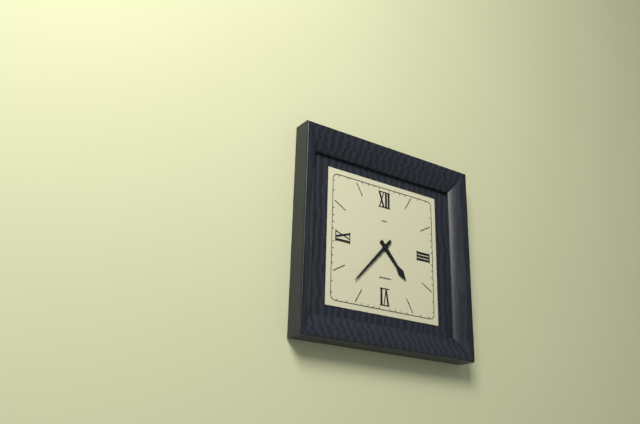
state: 4:37
